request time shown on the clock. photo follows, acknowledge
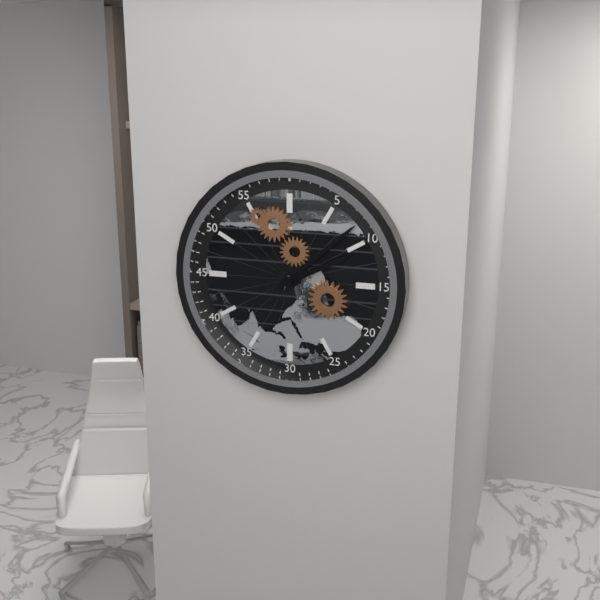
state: 2:08
